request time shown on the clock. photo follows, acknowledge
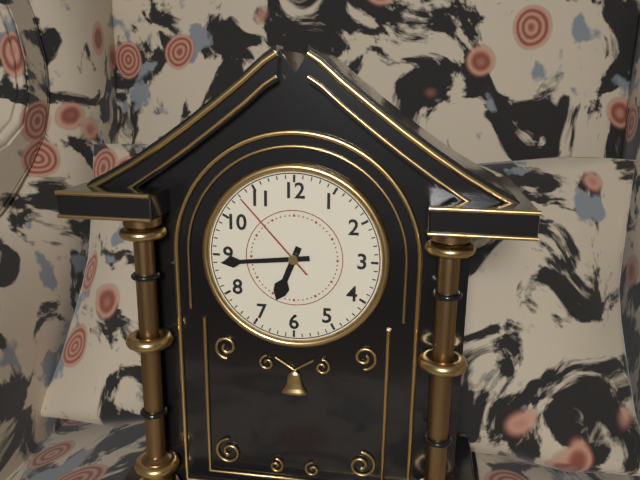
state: 6:44:53
